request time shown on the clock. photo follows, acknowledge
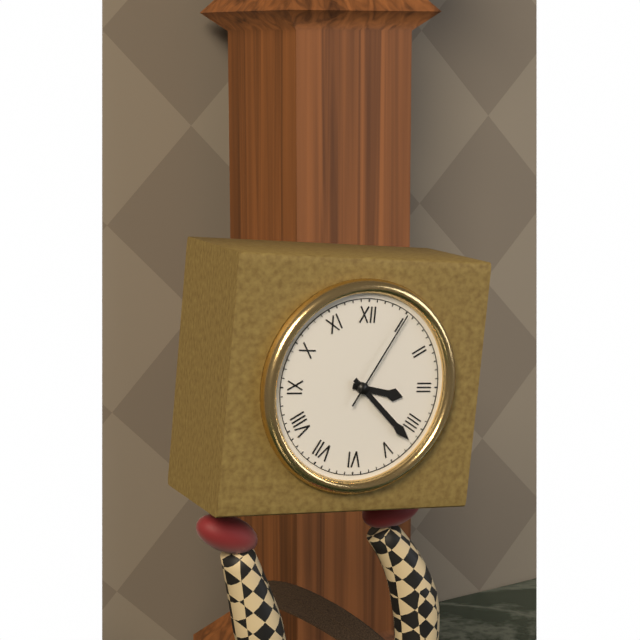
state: 3:22:05
